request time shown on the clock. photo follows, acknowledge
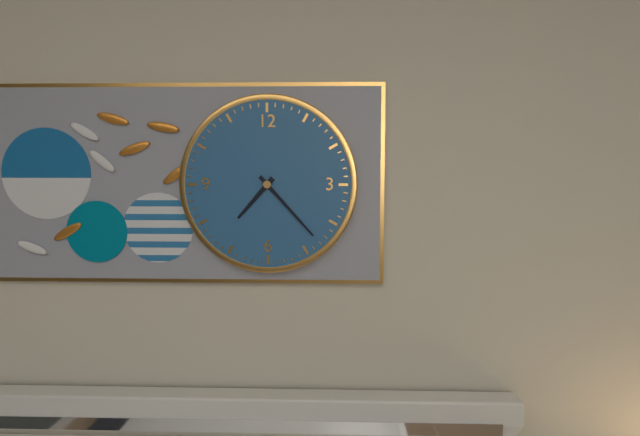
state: 7:23
